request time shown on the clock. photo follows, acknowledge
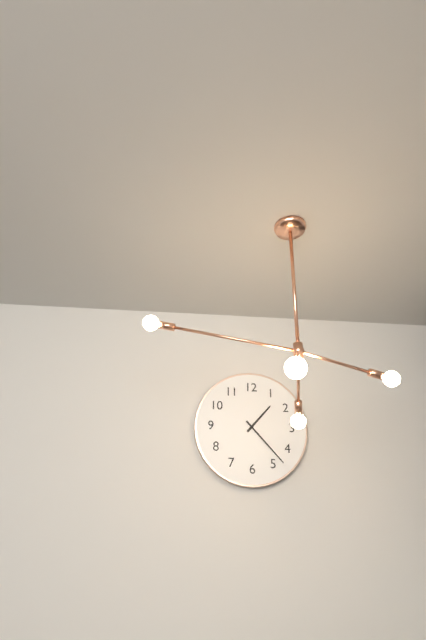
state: 1:23
